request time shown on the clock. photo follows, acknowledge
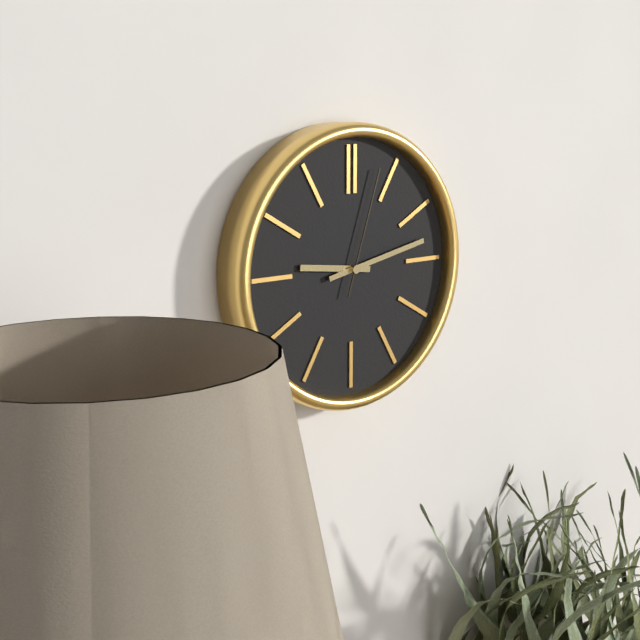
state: 9:13:03
